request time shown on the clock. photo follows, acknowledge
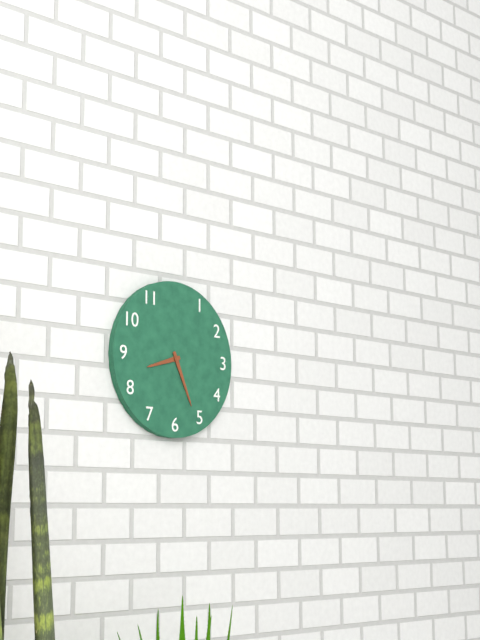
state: 8:26
